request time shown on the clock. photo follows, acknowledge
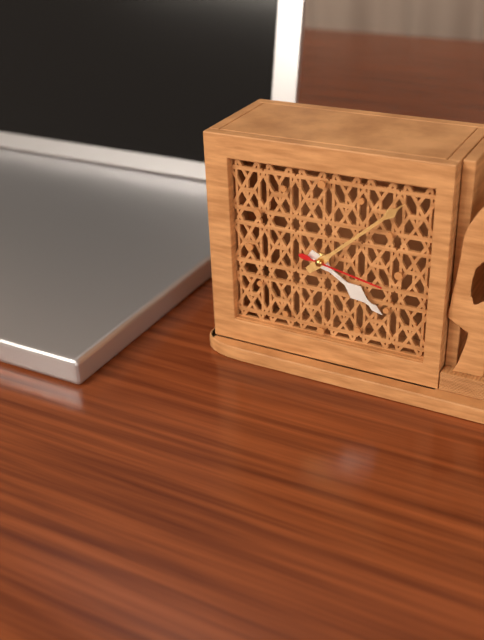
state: 4:08:17
